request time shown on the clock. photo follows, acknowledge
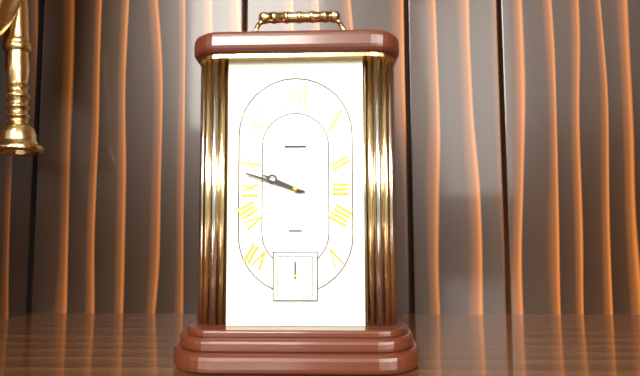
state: 9:48
